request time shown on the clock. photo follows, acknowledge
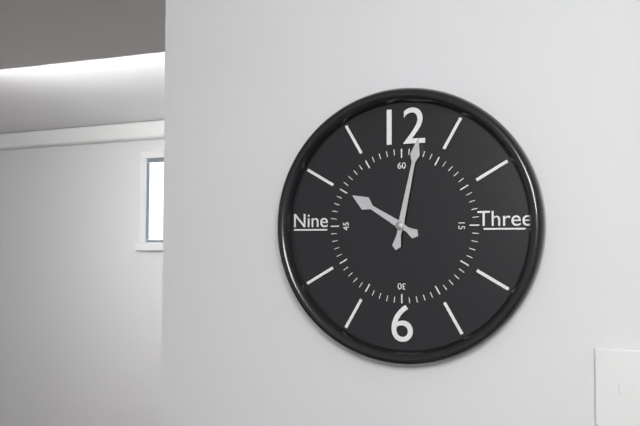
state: 10:02
